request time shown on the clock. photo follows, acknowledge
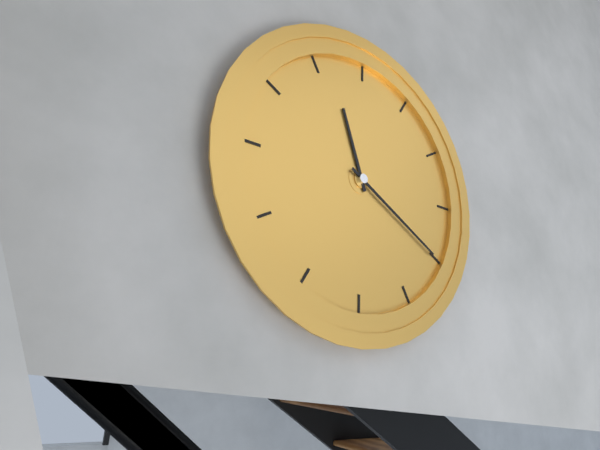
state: 11:20
